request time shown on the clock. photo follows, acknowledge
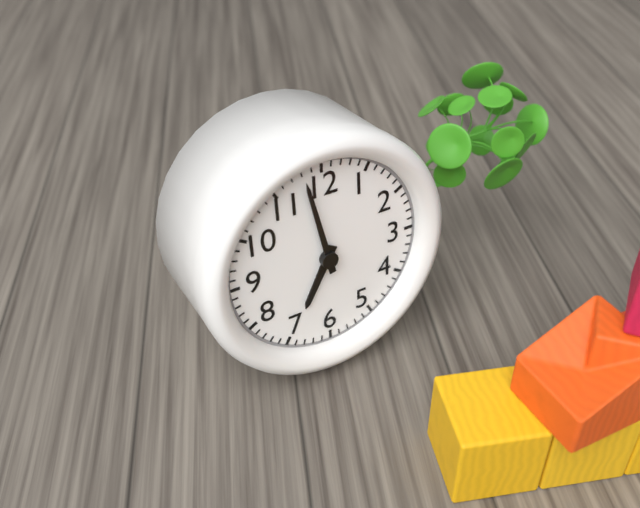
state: 6:58
